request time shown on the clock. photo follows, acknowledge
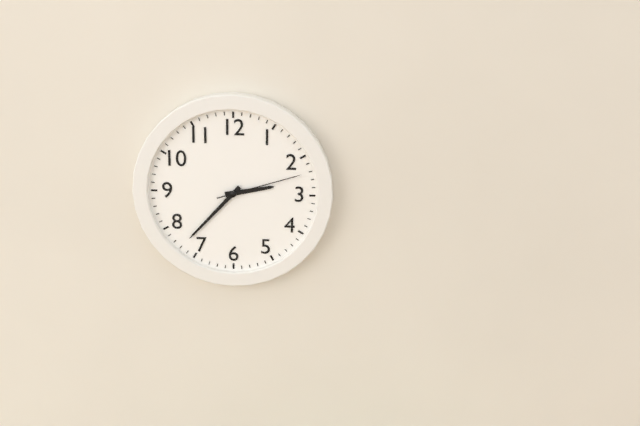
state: 2:37:12
